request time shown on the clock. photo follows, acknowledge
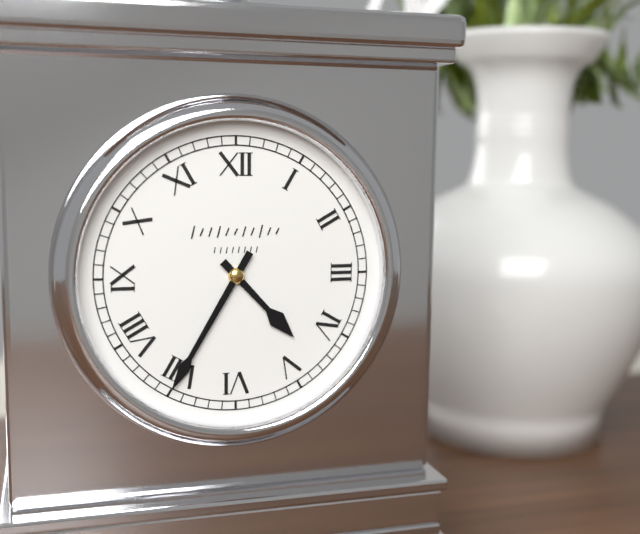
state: 4:35
